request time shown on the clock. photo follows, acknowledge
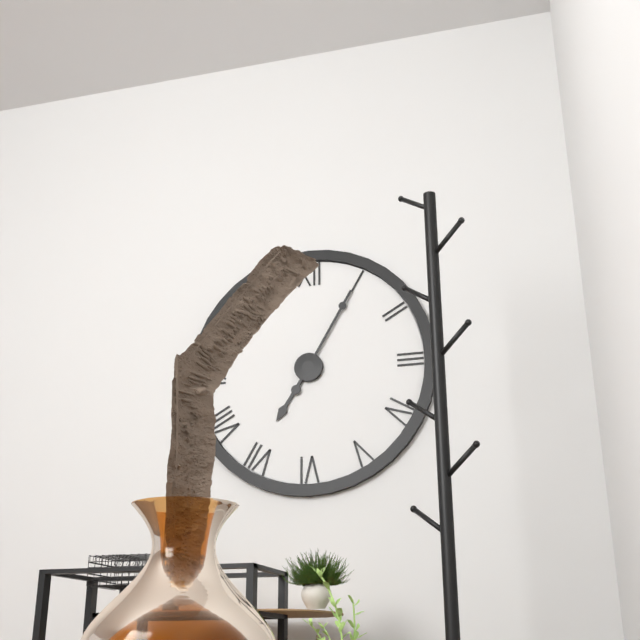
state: 7:05
